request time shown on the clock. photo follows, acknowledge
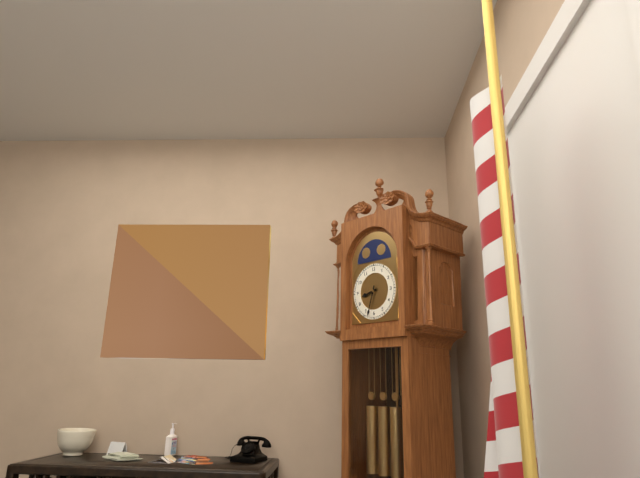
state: 8:33
